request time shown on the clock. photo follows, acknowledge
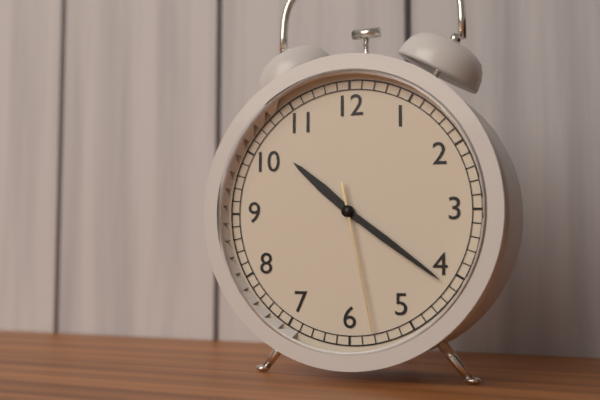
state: 10:21:28
